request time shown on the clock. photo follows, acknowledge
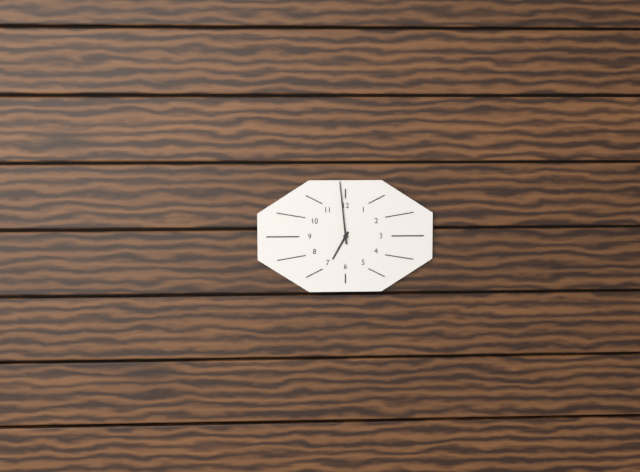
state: 6:59
